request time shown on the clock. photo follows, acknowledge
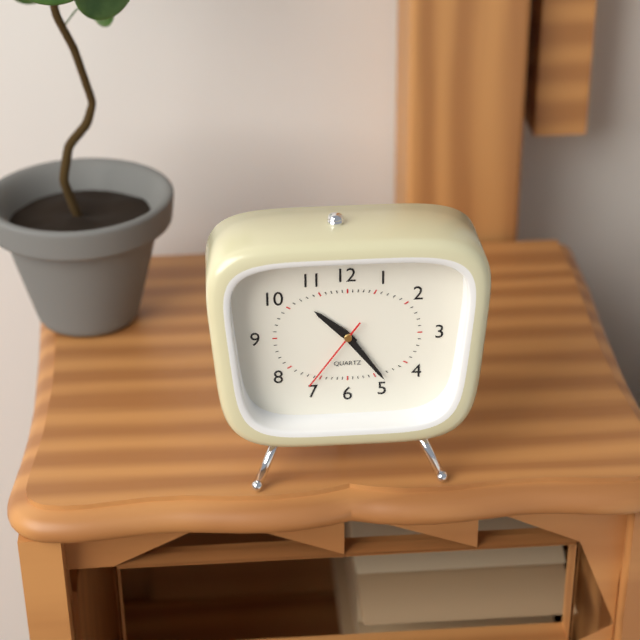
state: 10:24:36
